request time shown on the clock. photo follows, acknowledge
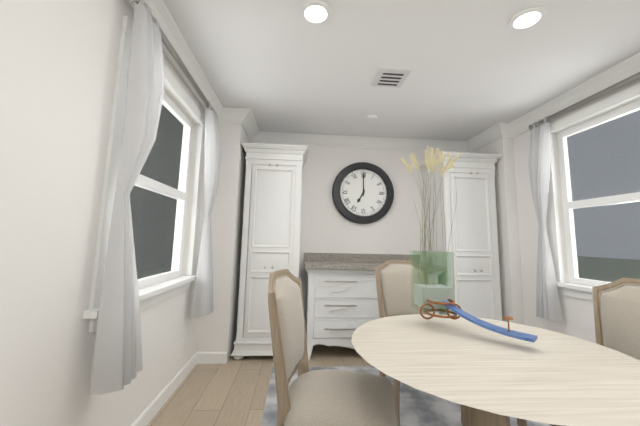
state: 7:00
